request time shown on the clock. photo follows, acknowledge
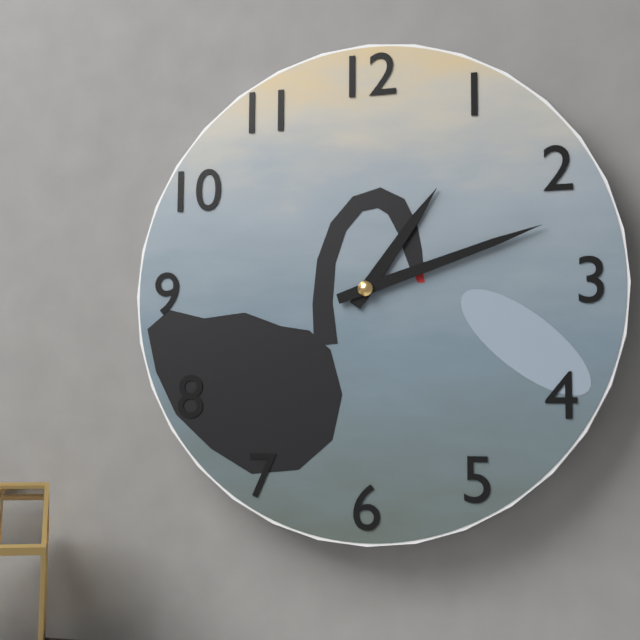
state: 1:12
